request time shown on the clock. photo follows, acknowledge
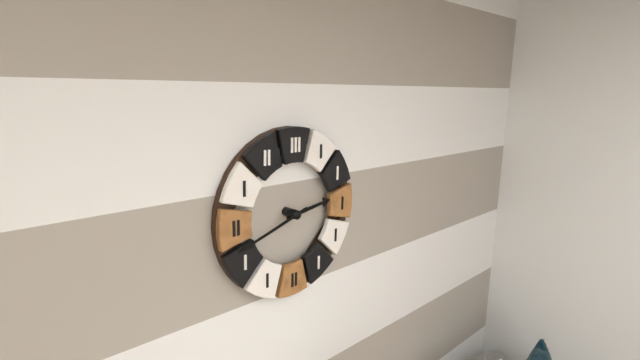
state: 2:42
